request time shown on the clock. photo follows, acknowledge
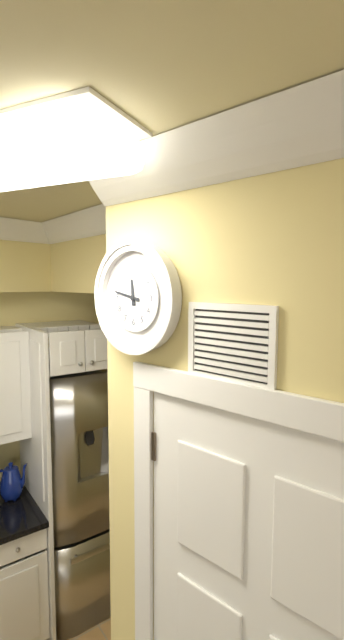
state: 11:47
